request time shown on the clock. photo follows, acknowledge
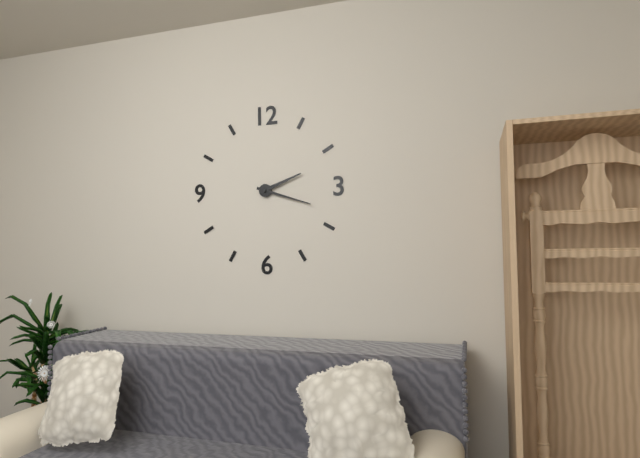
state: 2:18
